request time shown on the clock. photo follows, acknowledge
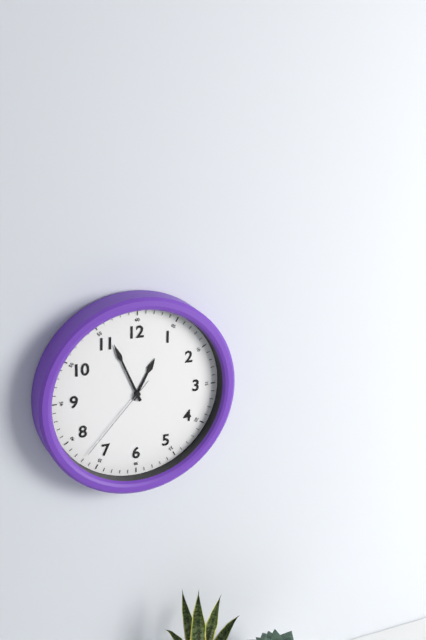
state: 12:56:37
